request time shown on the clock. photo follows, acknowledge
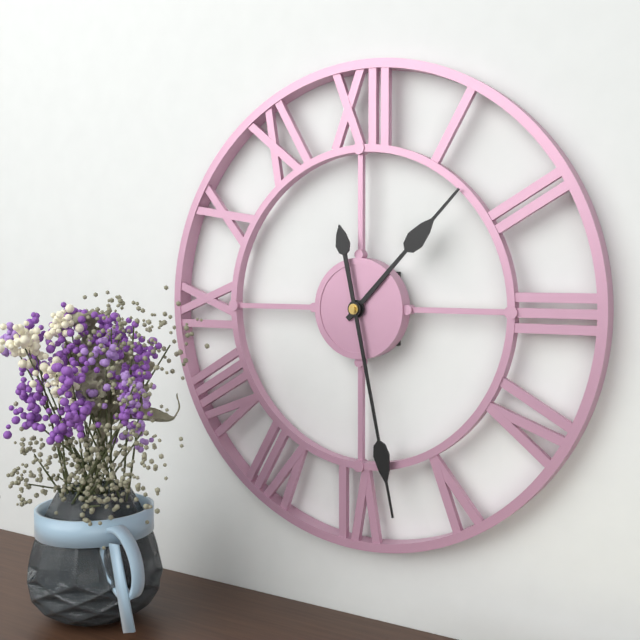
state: 1:28
